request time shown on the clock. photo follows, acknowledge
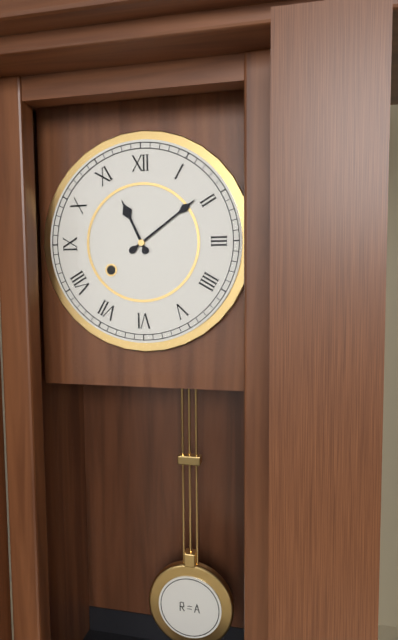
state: 11:09
